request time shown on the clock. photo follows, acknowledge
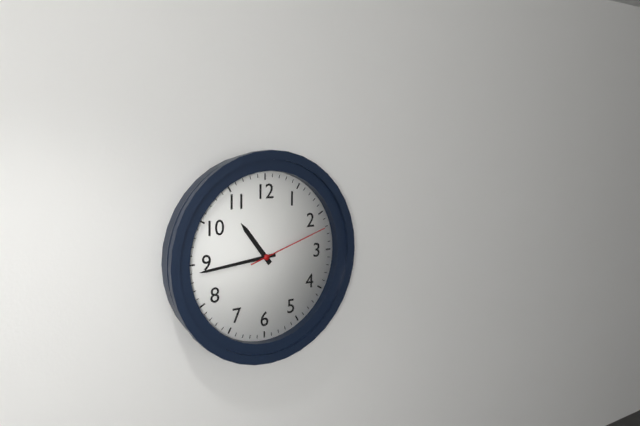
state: 10:44:12
